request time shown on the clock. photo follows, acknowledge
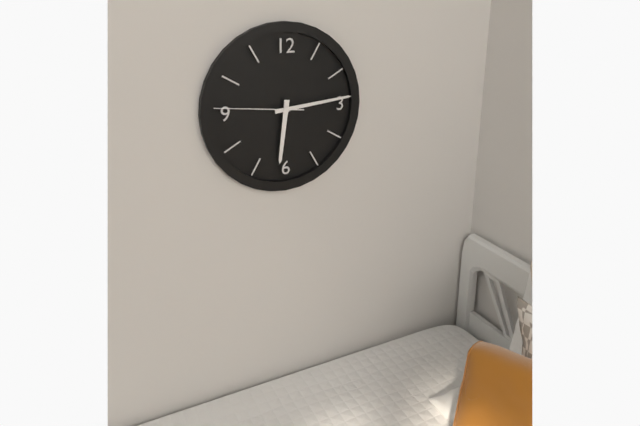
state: 6:14:46
